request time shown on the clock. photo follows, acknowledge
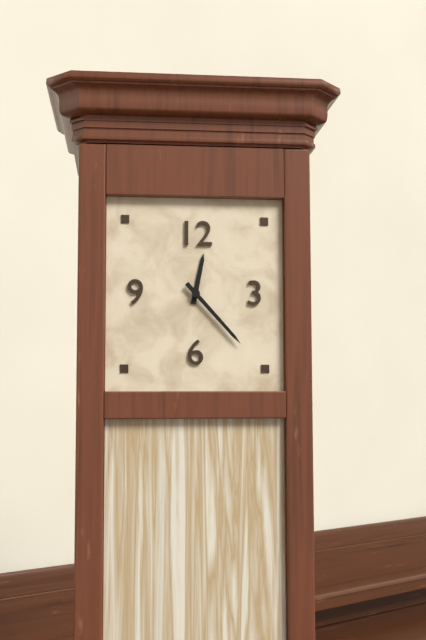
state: 12:23
